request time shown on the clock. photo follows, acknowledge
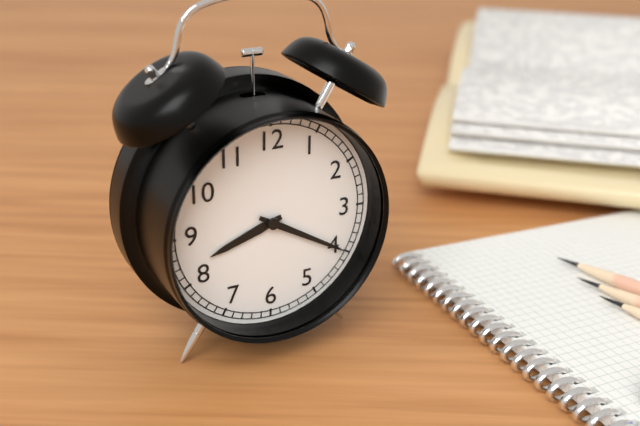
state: 8:20
